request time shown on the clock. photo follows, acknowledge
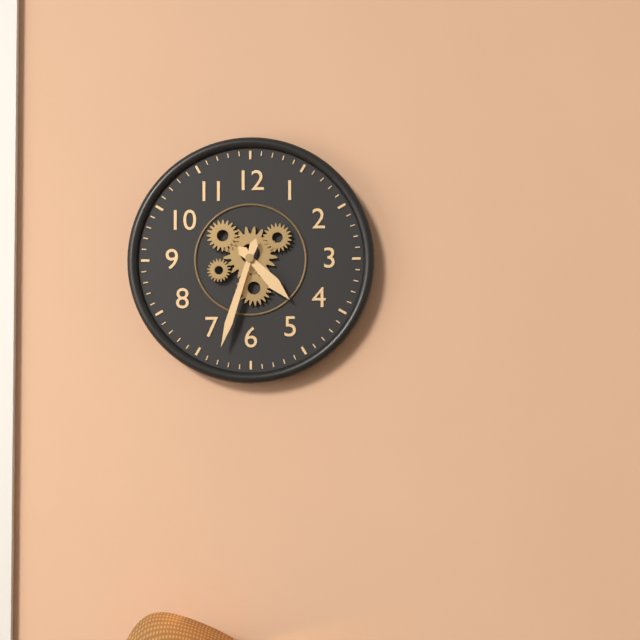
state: 4:33
